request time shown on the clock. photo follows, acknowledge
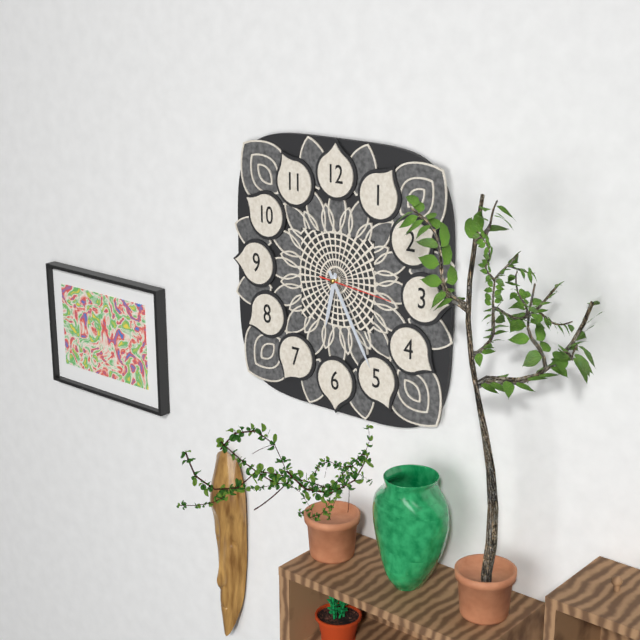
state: 6:25:16
